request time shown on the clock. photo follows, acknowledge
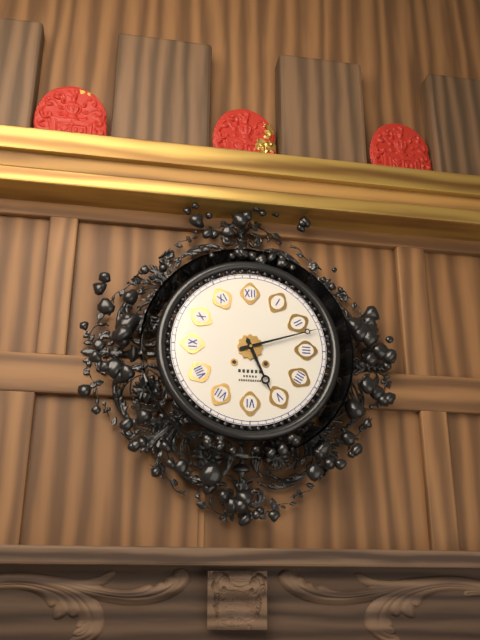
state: 5:12
